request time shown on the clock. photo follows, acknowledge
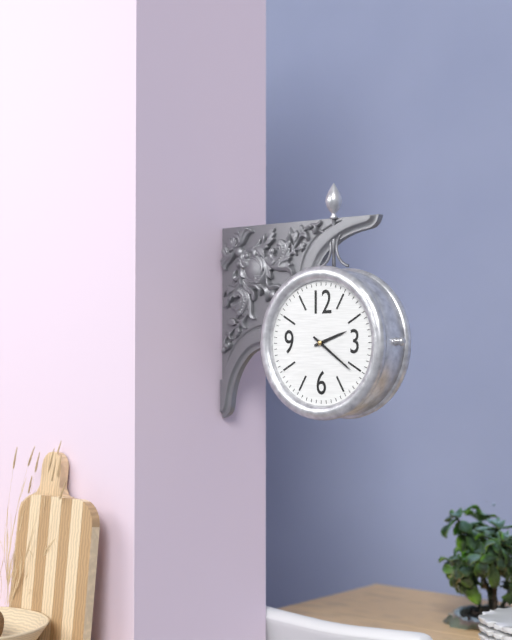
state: 2:21
